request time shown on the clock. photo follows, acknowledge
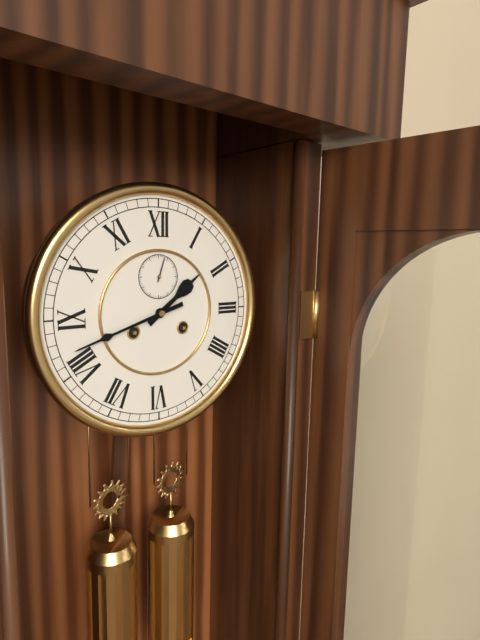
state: 1:42
